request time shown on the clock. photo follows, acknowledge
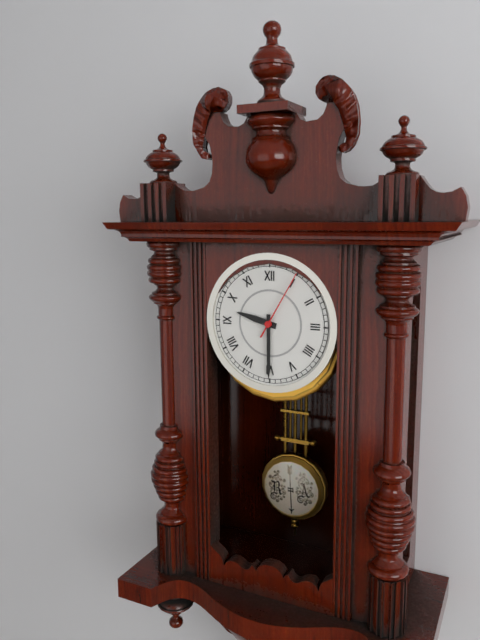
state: 9:30:05
